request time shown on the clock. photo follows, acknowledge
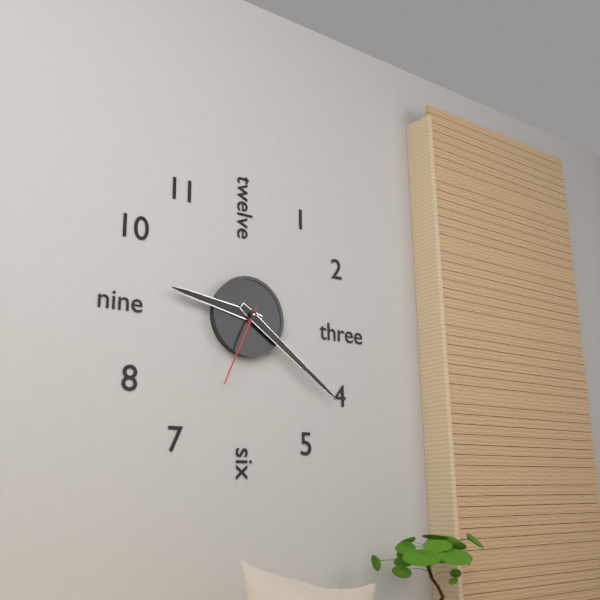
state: 9:21:34
